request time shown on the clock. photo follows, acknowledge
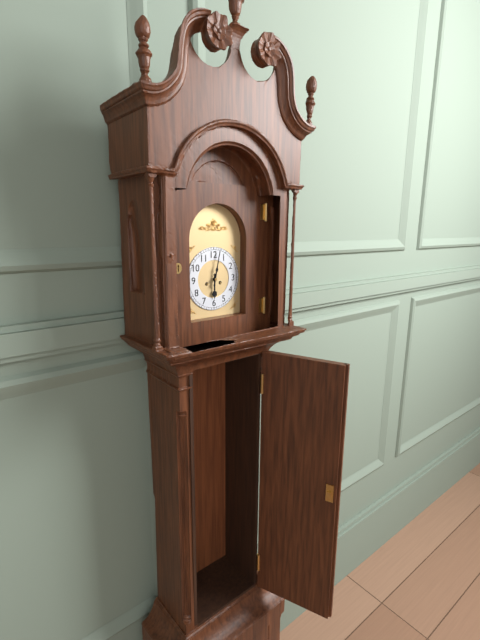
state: 6:02
